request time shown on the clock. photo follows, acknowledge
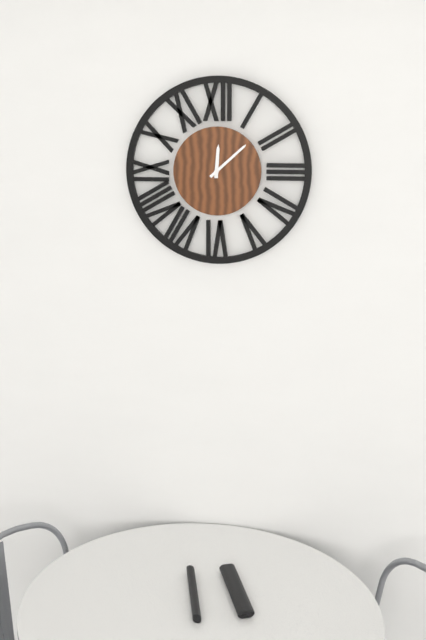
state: 12:08
